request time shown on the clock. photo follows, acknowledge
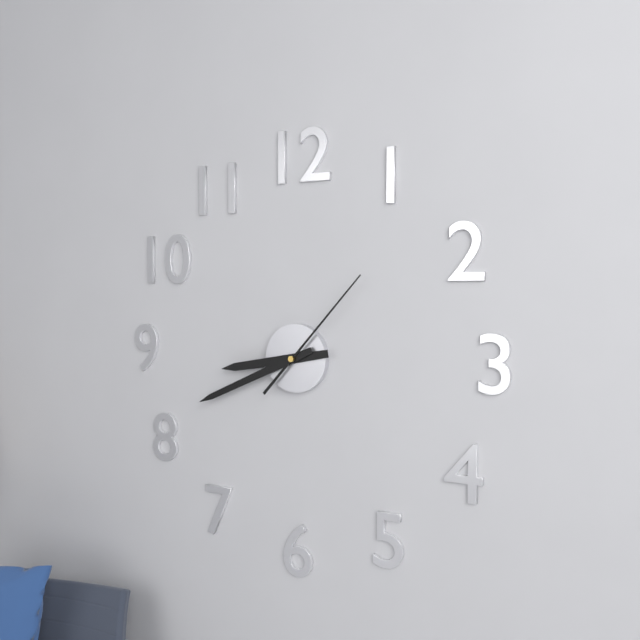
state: 8:41:07
